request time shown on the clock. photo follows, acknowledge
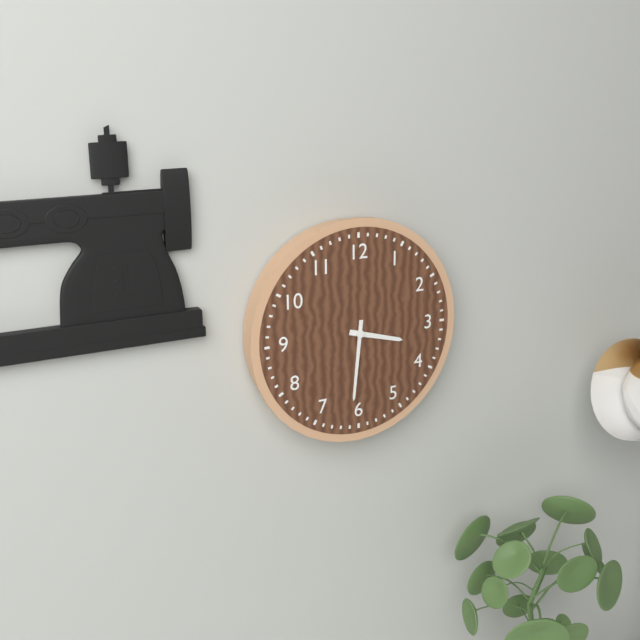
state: 3:31
